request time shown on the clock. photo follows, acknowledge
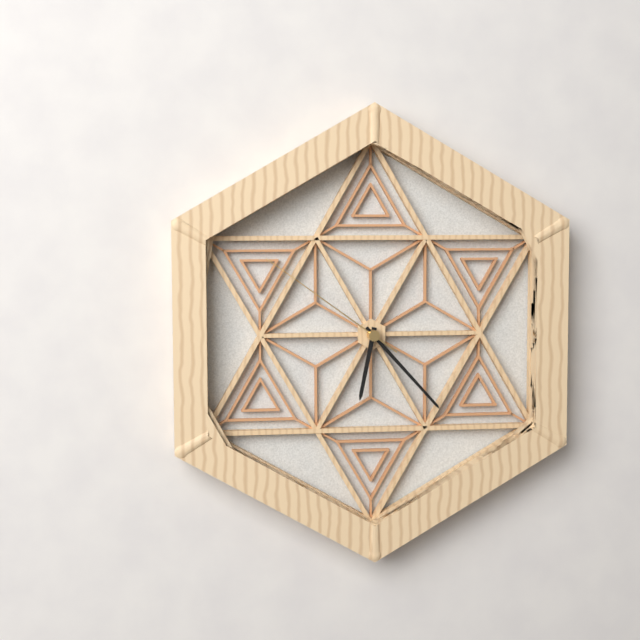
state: 6:23:51
